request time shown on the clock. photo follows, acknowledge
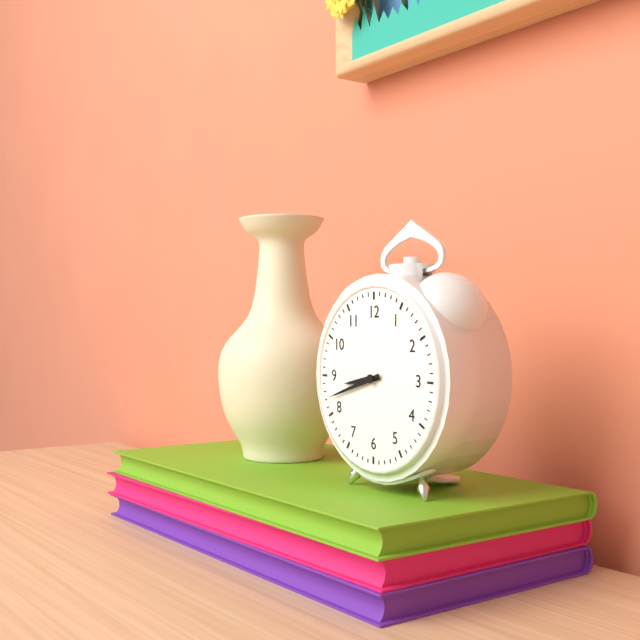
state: 8:42
